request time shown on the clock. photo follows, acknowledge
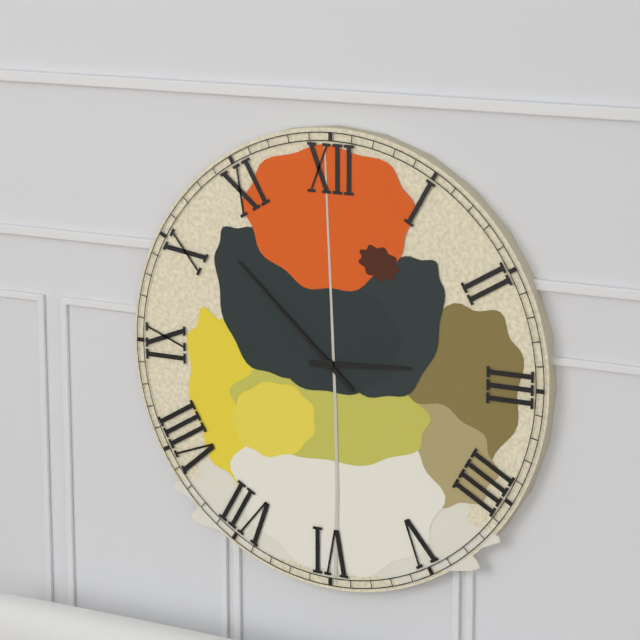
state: 2:52
